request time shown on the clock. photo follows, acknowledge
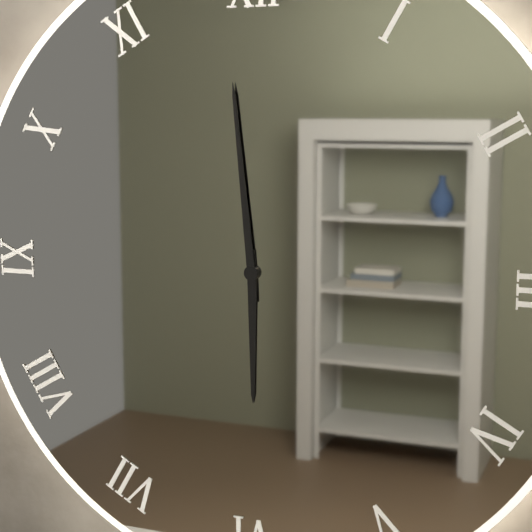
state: 5:59
